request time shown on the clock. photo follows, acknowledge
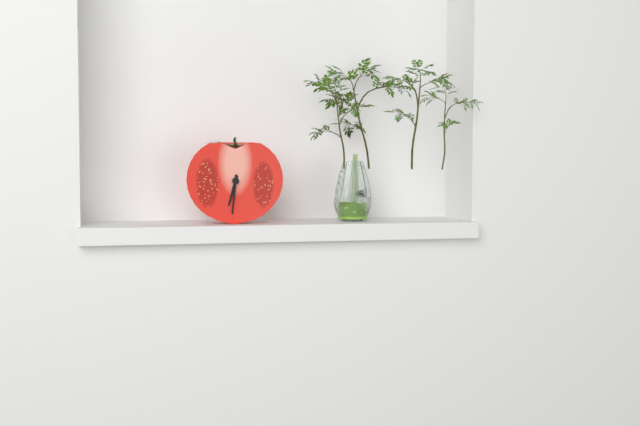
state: 6:31
